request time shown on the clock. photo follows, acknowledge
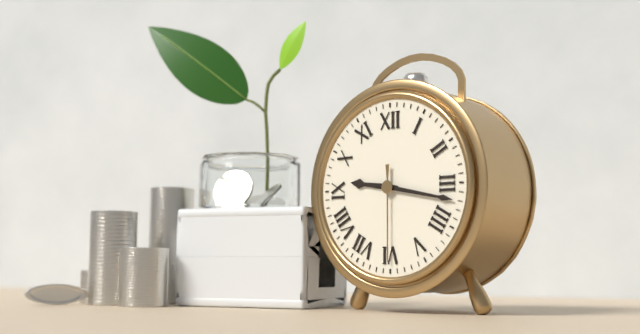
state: 9:17:30
